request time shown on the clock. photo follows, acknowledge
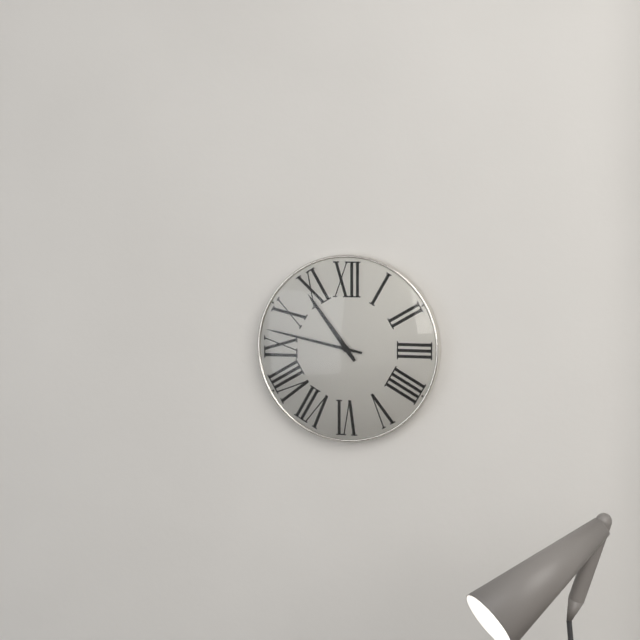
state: 10:47
